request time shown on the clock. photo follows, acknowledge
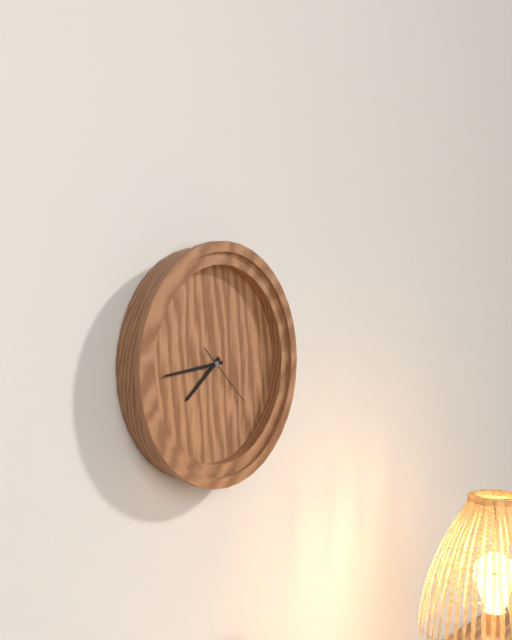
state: 7:44:22
